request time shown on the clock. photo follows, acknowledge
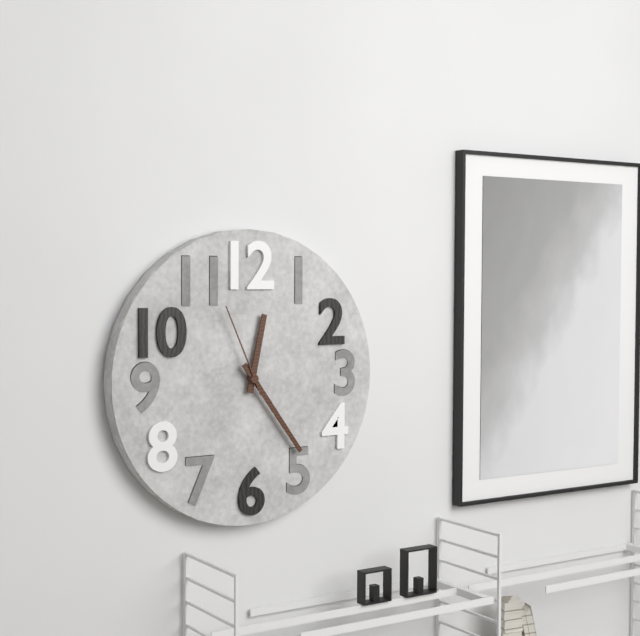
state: 12:24:56
